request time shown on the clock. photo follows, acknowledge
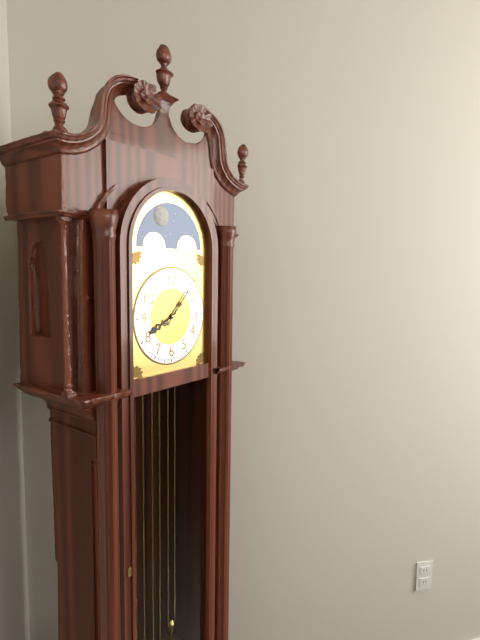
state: 8:07
